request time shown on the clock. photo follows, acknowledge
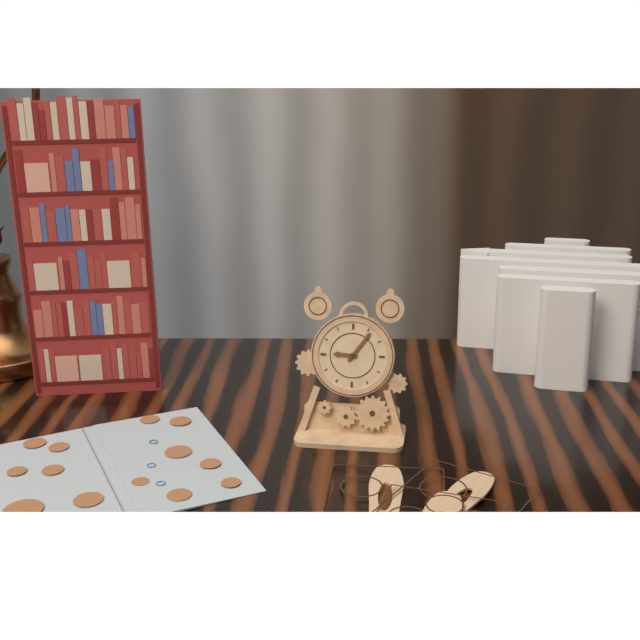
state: 9:06
